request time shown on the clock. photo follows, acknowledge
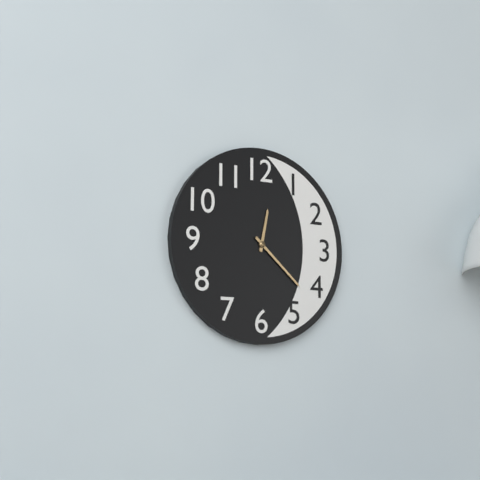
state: 12:22
